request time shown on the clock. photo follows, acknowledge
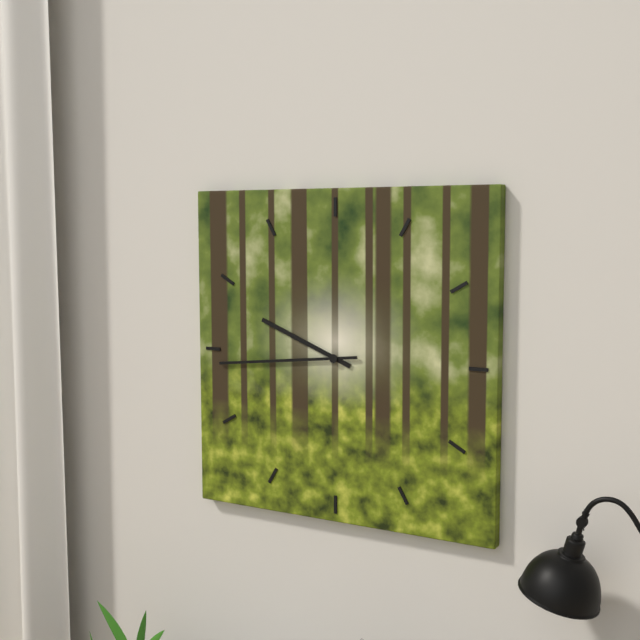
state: 9:44
